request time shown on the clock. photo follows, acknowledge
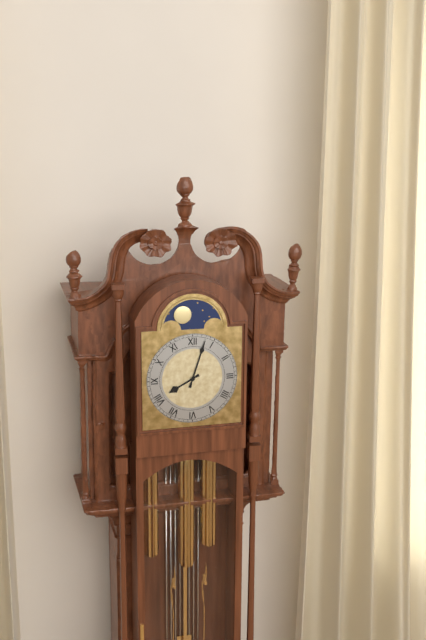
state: 8:03
